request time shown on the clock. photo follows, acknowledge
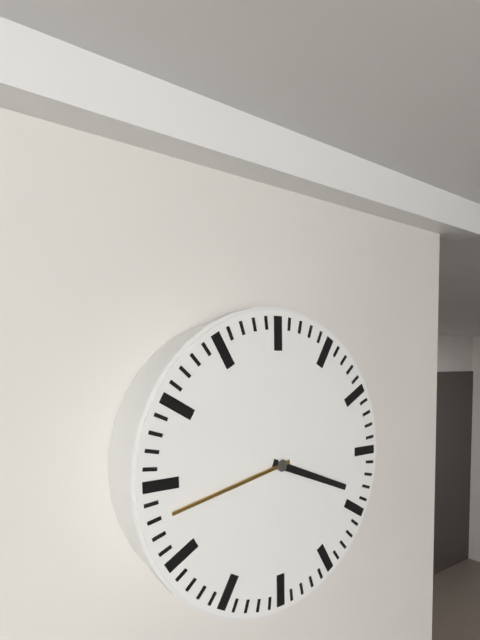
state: 3:43
